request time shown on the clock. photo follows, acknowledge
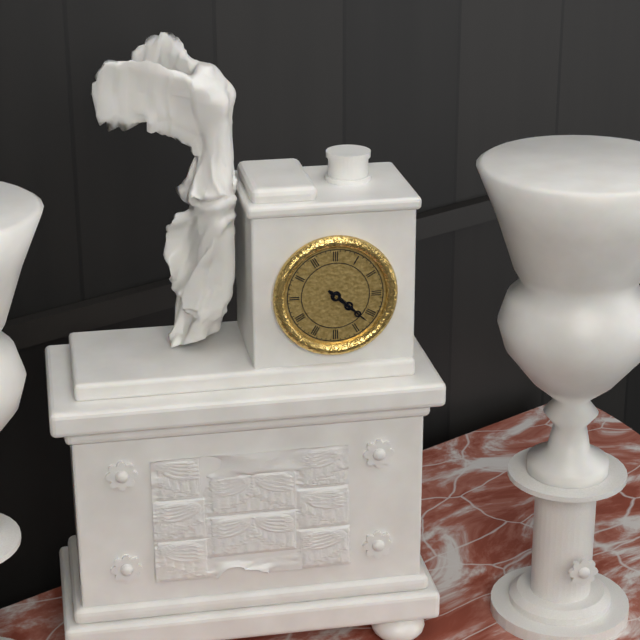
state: 4:22
